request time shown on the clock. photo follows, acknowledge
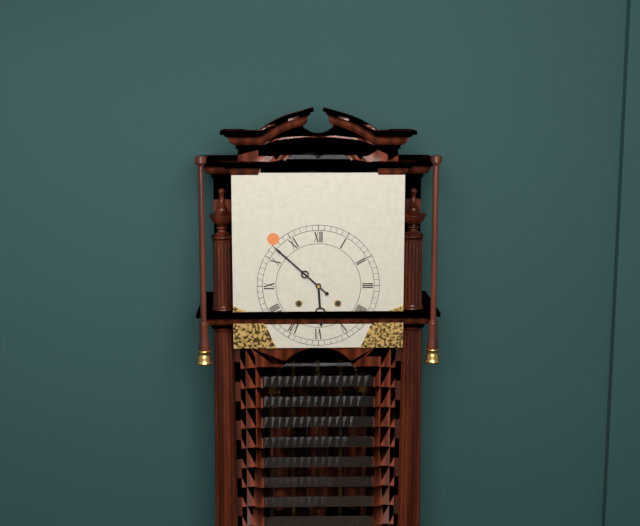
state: 5:52
